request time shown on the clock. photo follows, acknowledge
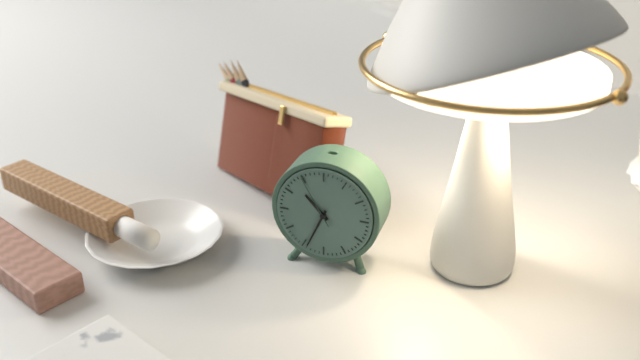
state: 10:34:55
